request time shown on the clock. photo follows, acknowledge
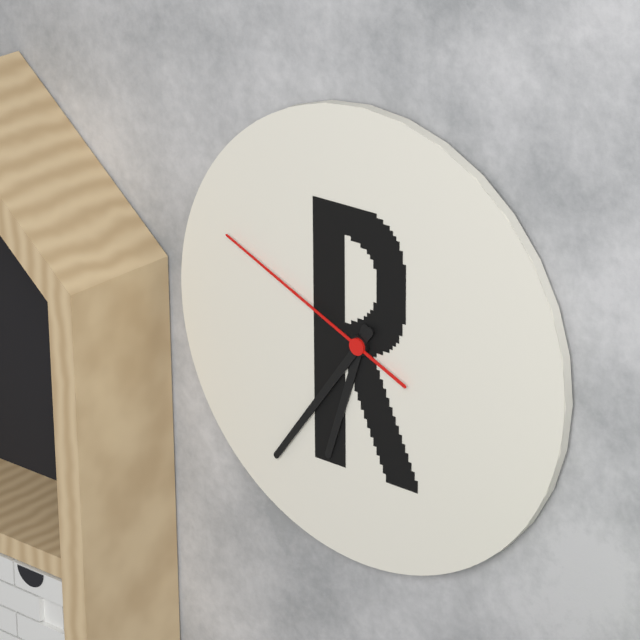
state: 6:36:49
